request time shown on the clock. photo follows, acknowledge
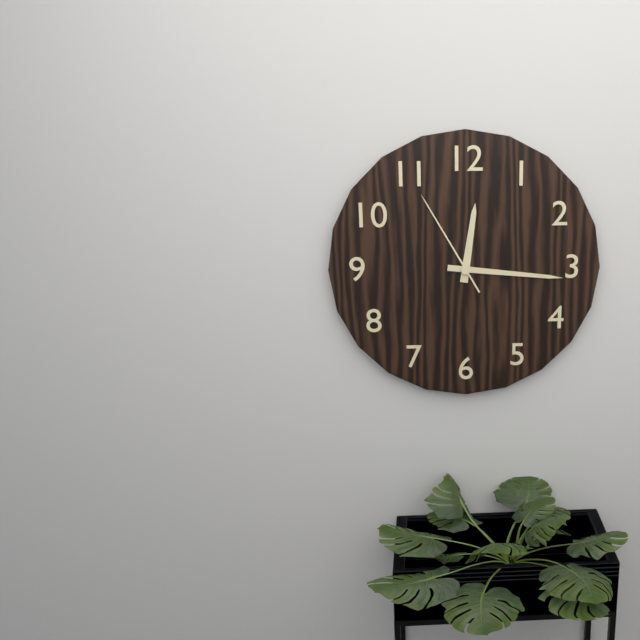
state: 12:16:55
